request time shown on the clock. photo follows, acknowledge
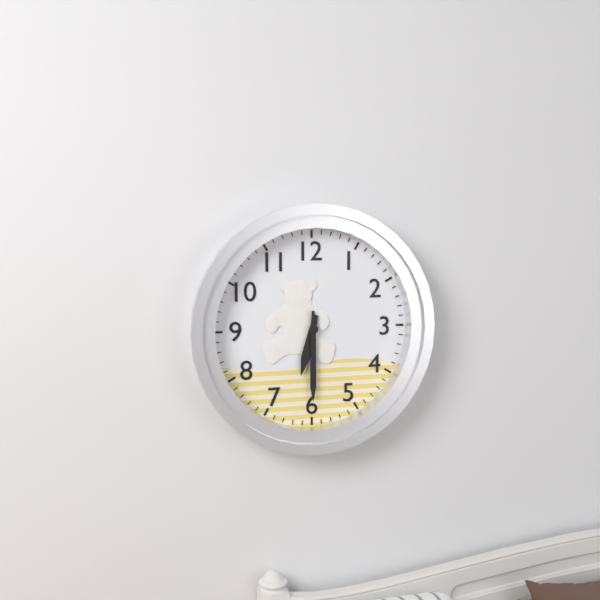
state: 6:30
